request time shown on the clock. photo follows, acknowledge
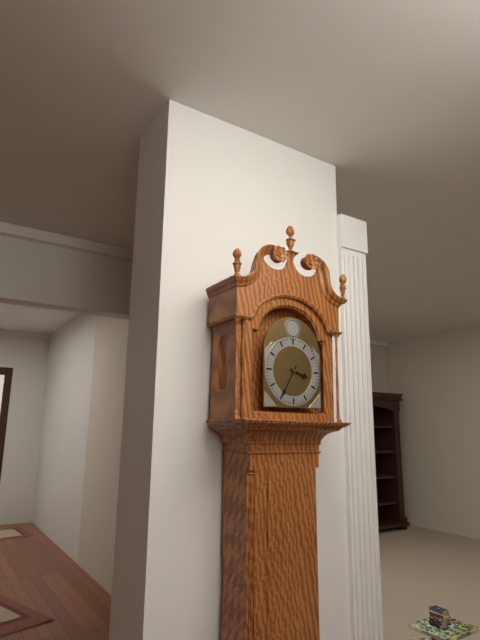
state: 3:35
